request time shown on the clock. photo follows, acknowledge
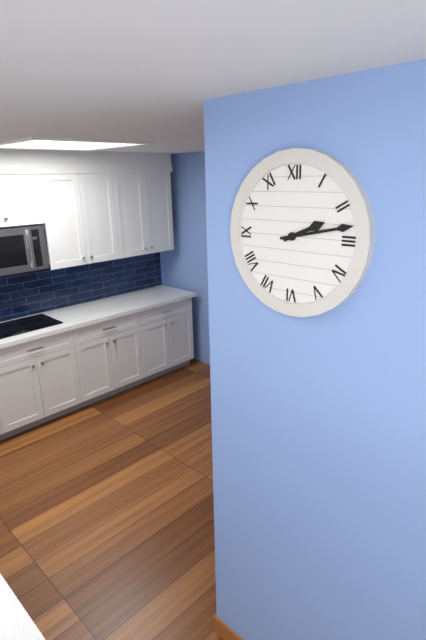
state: 2:13
